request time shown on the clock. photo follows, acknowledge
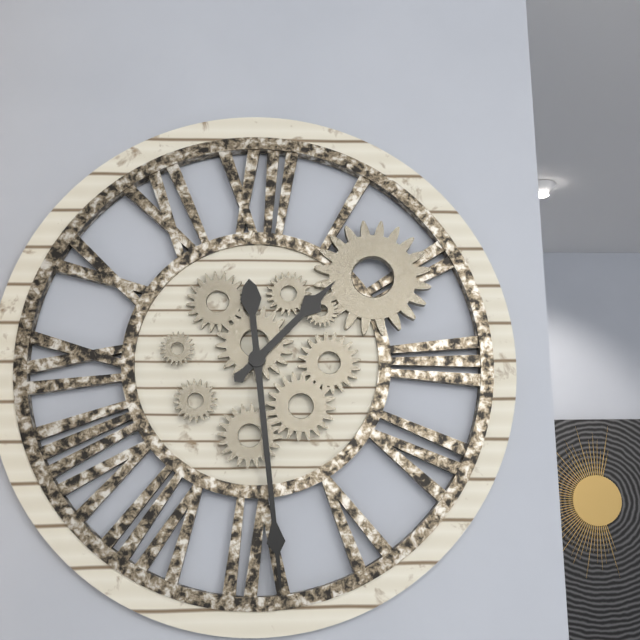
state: 1:29
